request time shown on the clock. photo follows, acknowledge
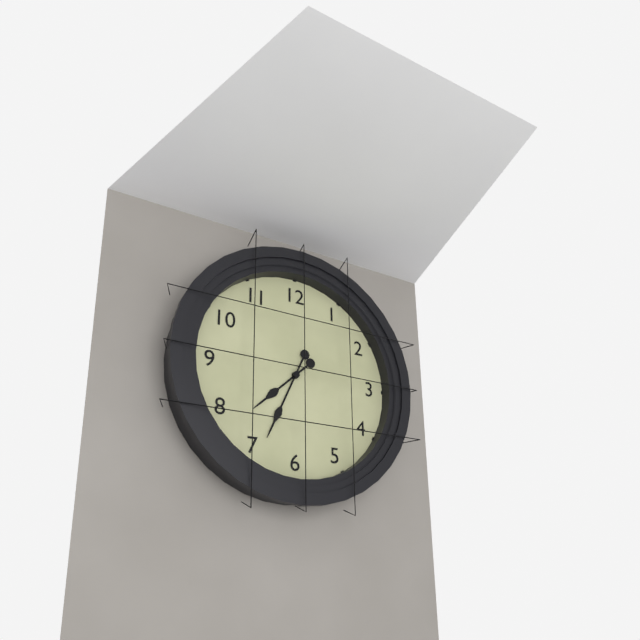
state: 7:34
